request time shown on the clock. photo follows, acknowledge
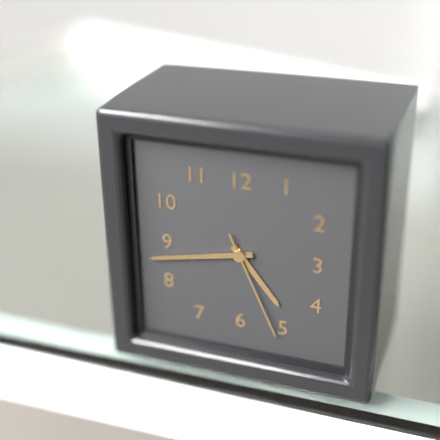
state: 4:43:26
